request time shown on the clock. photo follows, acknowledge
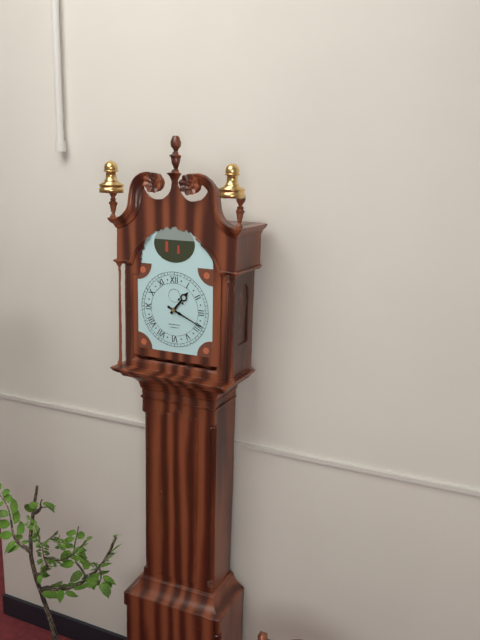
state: 1:19
